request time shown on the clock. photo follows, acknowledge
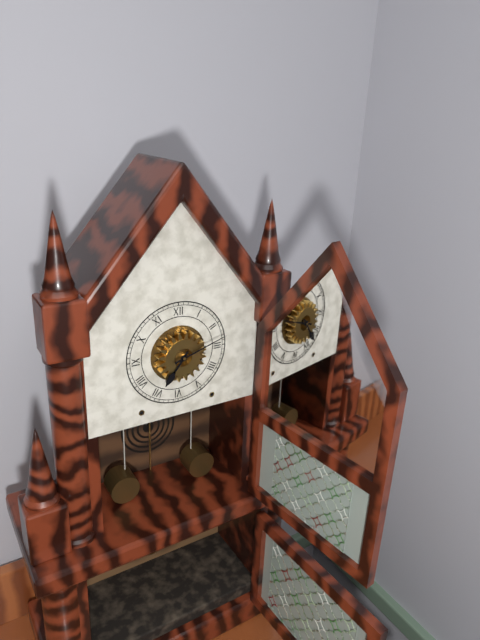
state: 7:12
